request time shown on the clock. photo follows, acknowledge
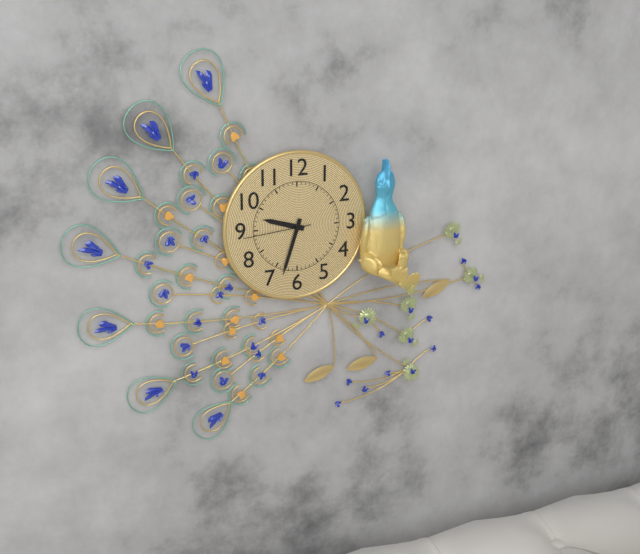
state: 9:33:44
